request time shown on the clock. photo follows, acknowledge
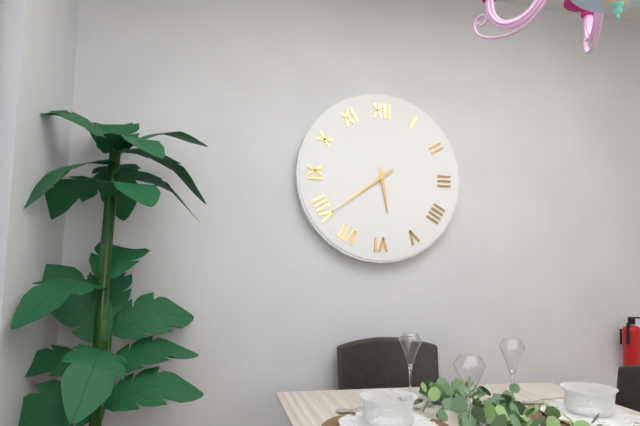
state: 5:39
